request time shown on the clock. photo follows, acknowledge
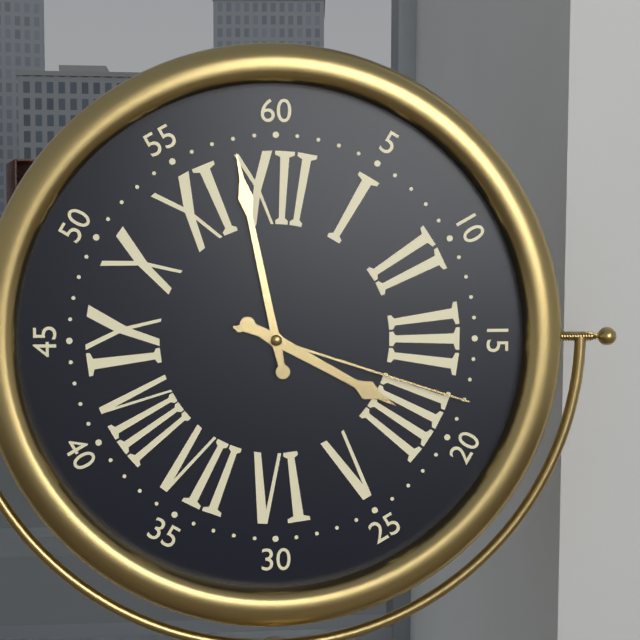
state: 3:58:18
